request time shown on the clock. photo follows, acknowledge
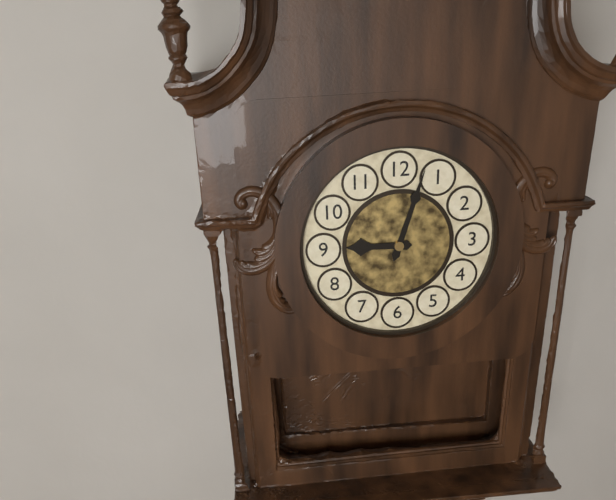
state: 9:03
